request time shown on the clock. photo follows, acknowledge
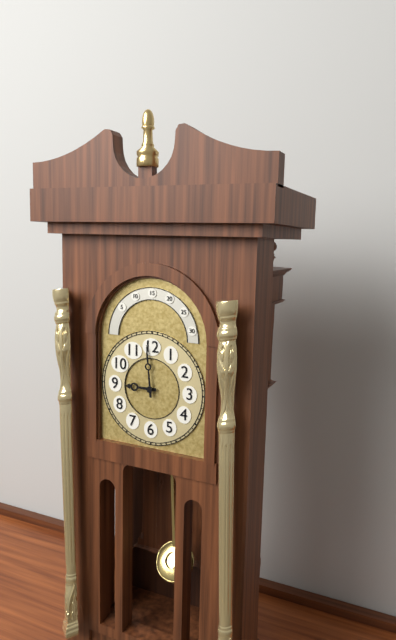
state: 8:59
